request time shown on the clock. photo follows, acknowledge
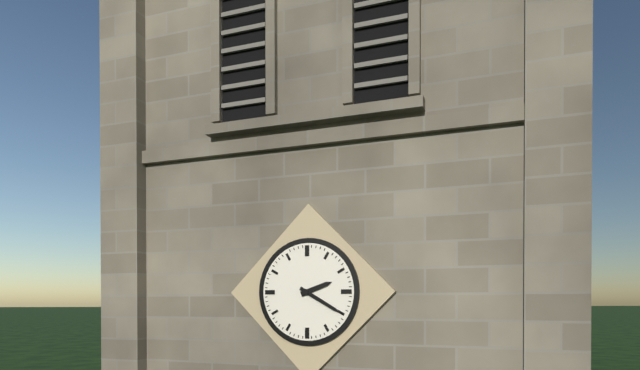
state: 2:20
